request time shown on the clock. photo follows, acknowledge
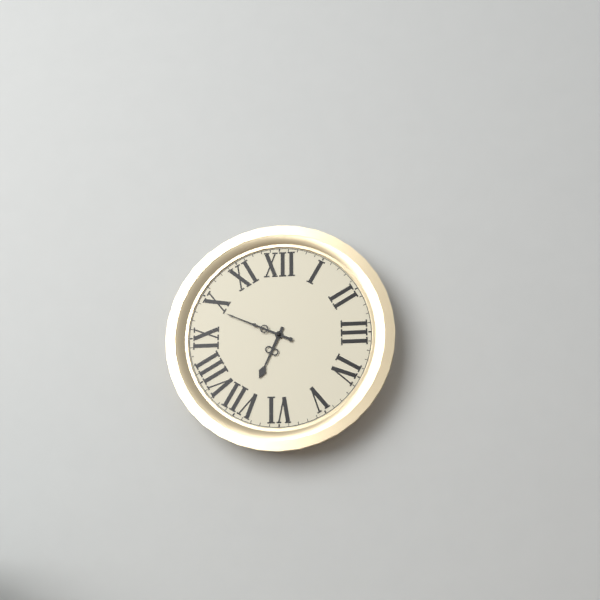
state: 6:49
